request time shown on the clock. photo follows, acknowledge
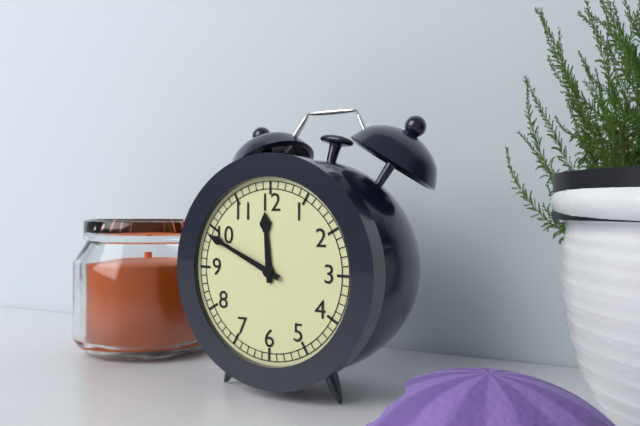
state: 11:49
